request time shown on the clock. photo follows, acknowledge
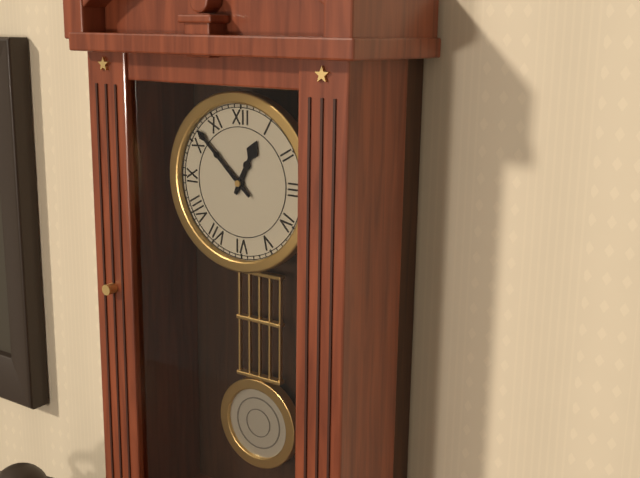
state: 12:52
